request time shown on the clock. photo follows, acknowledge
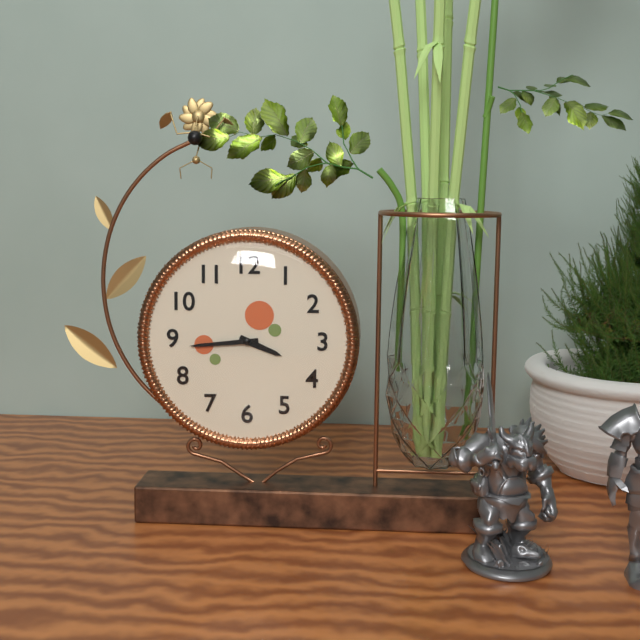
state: 3:44
